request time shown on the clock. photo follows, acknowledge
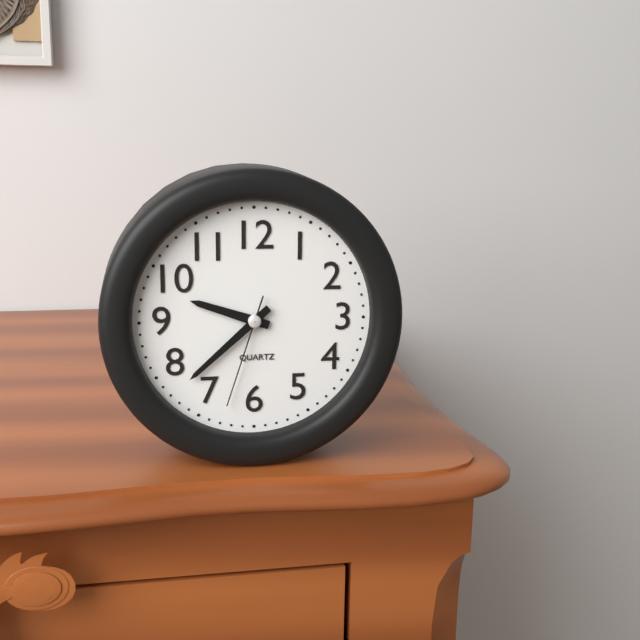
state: 9:38:33
